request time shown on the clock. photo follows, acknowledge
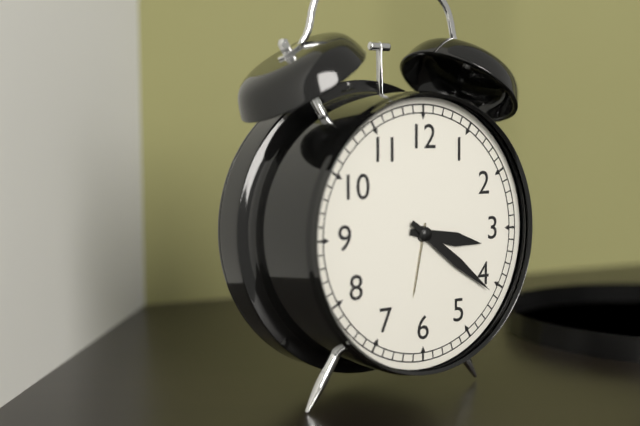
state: 3:21
